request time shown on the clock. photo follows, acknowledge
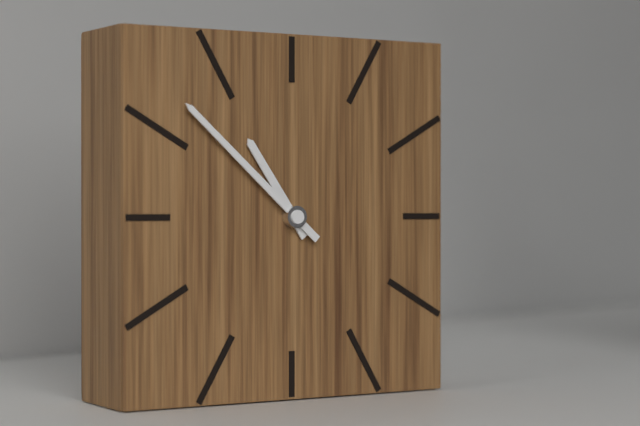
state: 10:52
